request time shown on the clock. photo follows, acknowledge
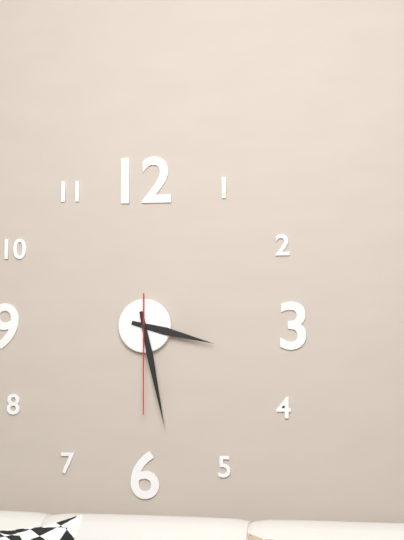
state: 3:28:30
